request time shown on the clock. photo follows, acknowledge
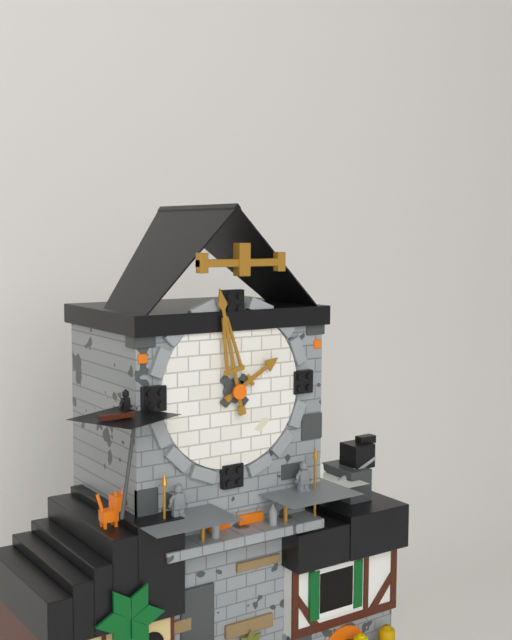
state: 1:58
